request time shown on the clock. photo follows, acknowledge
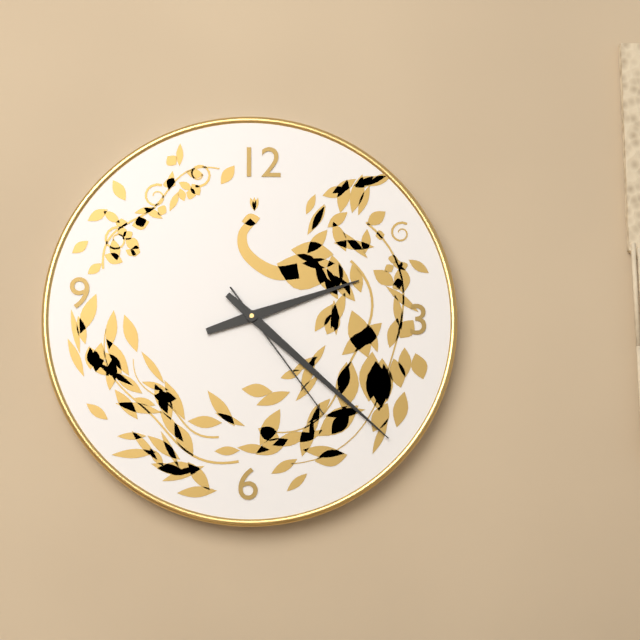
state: 2:22:24
